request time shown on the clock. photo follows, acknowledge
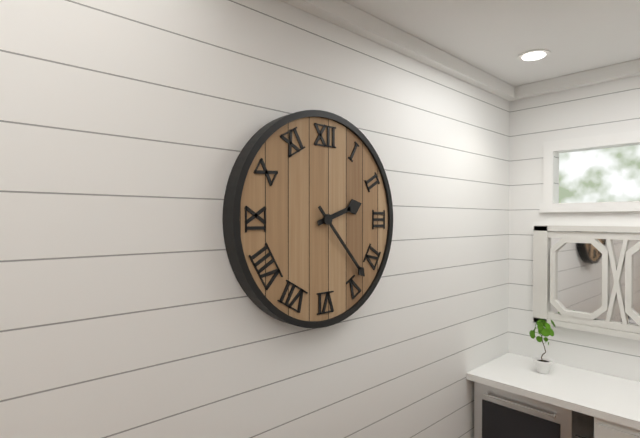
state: 2:23
